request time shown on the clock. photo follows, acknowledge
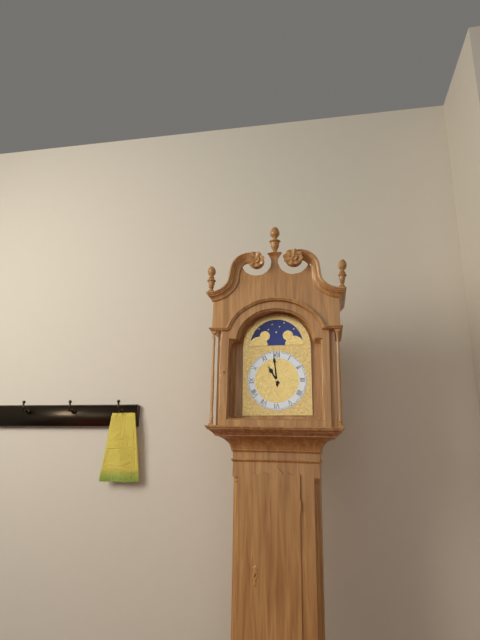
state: 10:59
